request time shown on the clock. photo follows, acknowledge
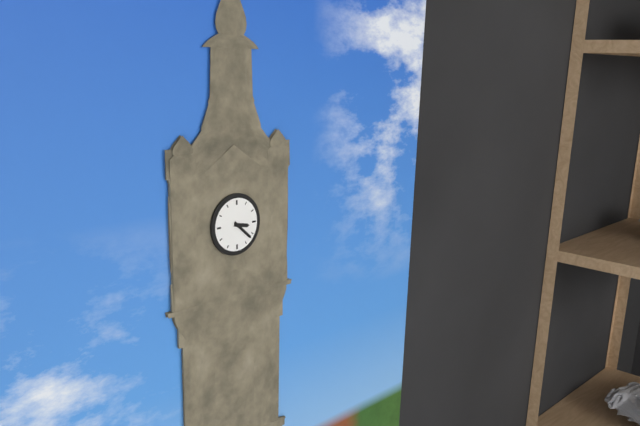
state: 3:22
